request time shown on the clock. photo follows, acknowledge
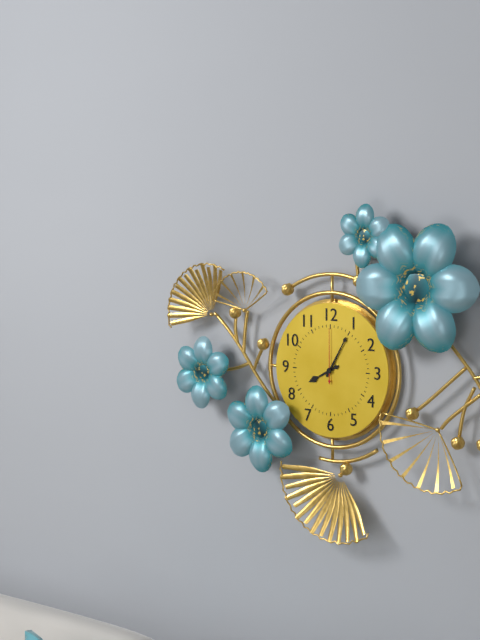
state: 8:05:00
